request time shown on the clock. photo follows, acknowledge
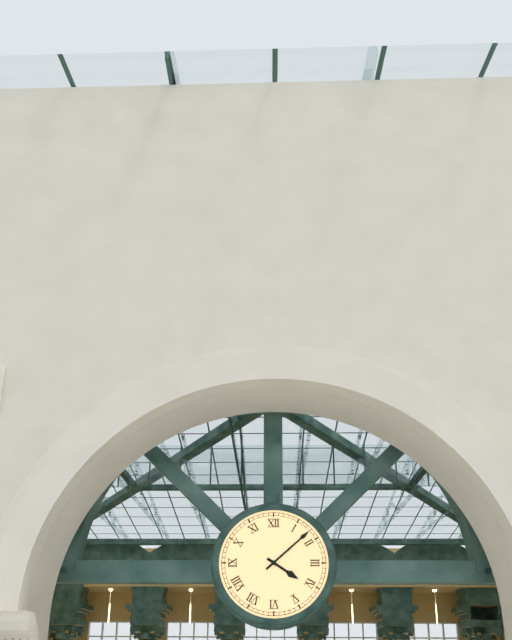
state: 4:08
